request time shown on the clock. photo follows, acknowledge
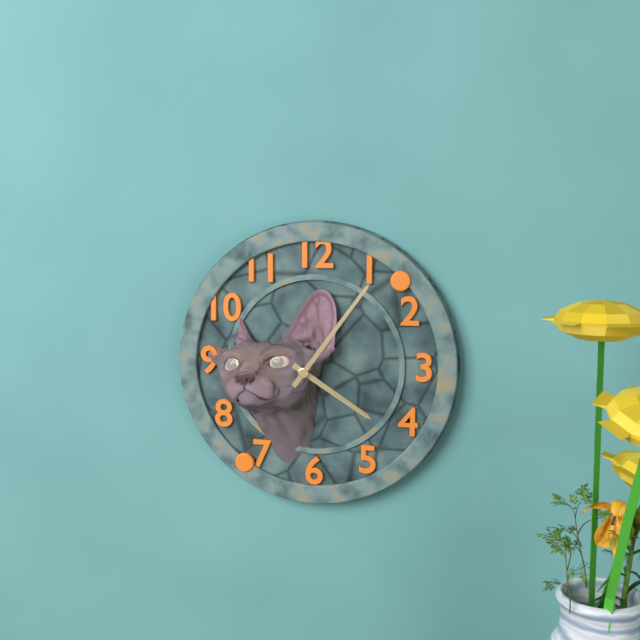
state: 4:06
